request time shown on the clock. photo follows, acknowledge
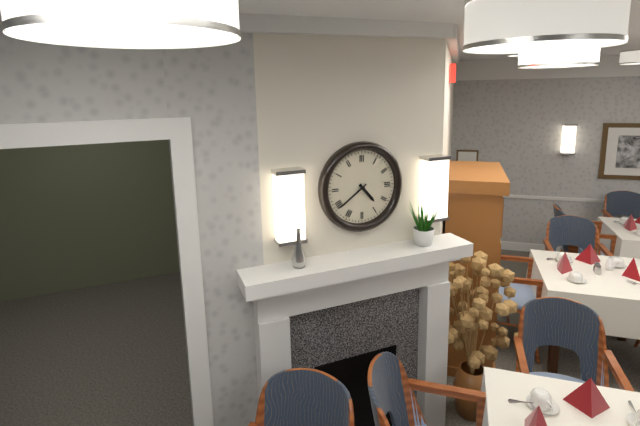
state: 4:39
